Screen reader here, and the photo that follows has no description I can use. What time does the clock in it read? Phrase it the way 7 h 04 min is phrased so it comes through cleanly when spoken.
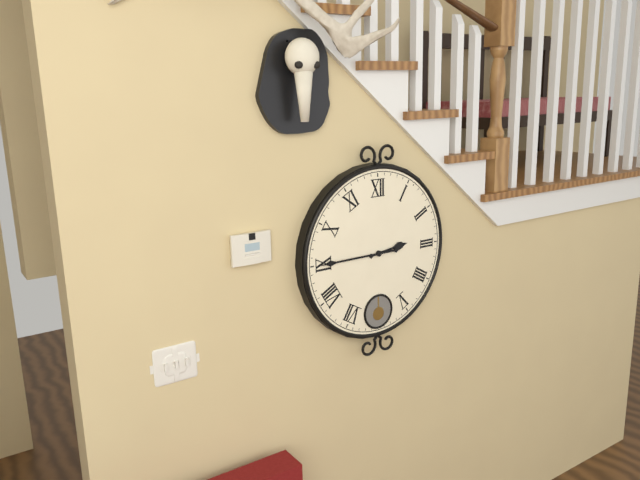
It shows 2 h 45 min
